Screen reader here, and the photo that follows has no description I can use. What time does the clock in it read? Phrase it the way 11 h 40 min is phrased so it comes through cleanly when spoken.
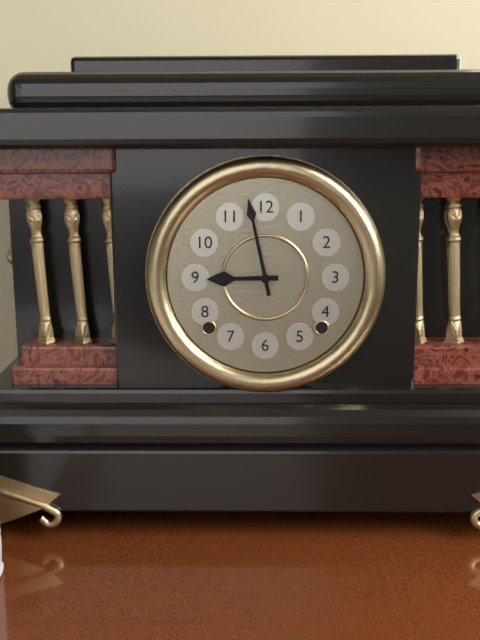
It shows 8 h 58 min
